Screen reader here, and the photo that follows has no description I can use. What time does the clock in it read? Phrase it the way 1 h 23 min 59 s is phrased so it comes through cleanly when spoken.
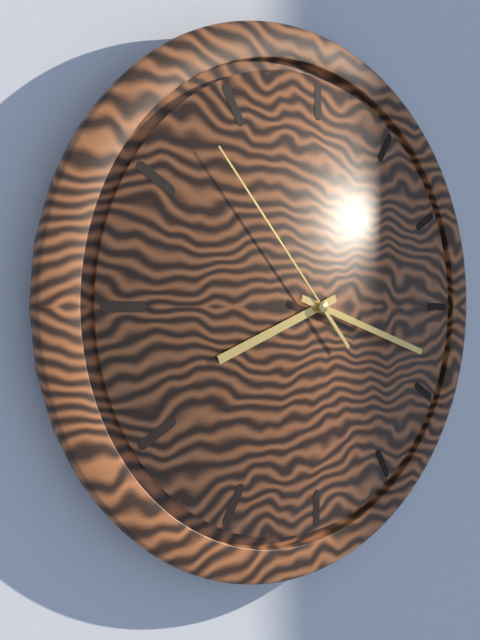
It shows 8 h 18 min 53 s
